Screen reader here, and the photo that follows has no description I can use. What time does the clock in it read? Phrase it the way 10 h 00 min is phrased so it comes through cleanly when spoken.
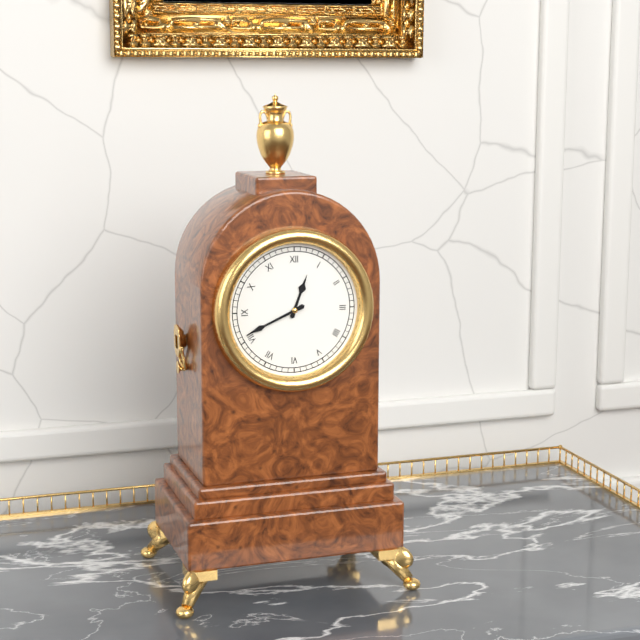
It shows 12 h 41 min
